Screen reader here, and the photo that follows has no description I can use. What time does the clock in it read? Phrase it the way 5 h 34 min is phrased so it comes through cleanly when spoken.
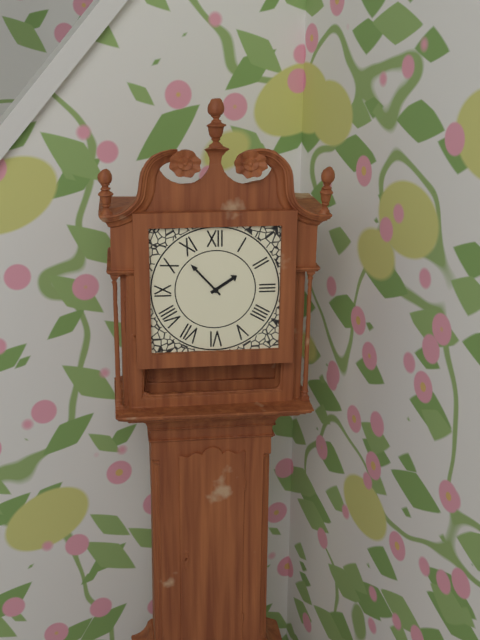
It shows 1 h 53 min
